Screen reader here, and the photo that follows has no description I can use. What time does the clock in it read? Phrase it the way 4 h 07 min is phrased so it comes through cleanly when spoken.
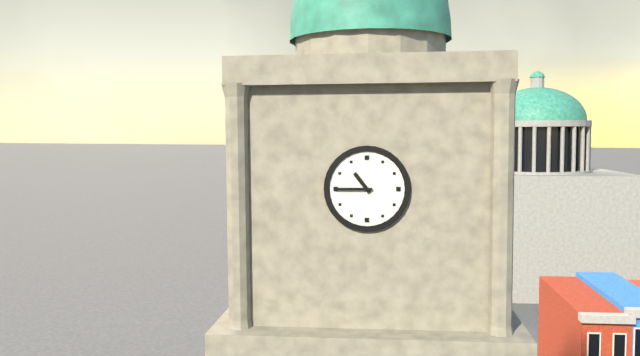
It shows 10 h 45 min
